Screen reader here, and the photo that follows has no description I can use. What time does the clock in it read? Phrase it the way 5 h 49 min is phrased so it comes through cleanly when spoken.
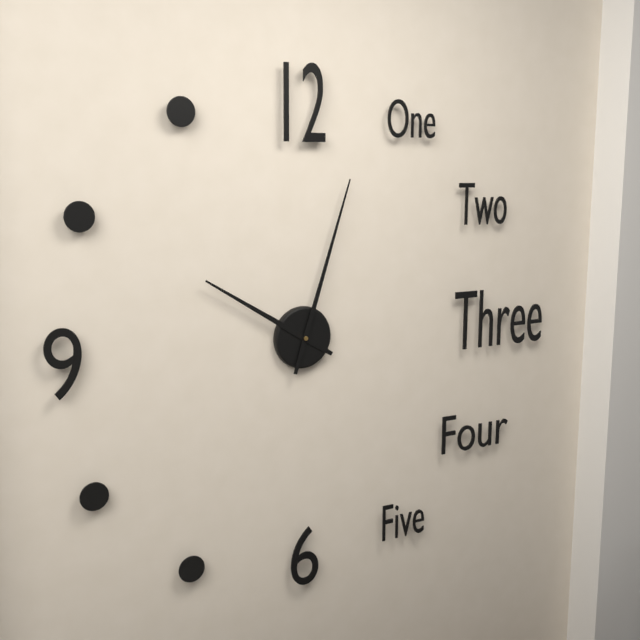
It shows 10 h 03 min
